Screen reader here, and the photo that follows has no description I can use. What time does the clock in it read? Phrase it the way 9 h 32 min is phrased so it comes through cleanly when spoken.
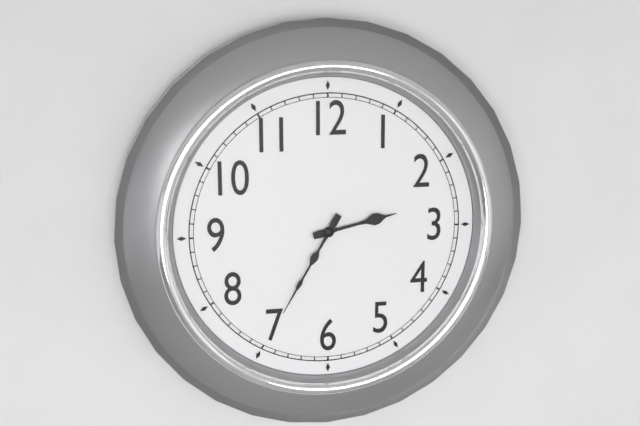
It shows 2 h 35 min
